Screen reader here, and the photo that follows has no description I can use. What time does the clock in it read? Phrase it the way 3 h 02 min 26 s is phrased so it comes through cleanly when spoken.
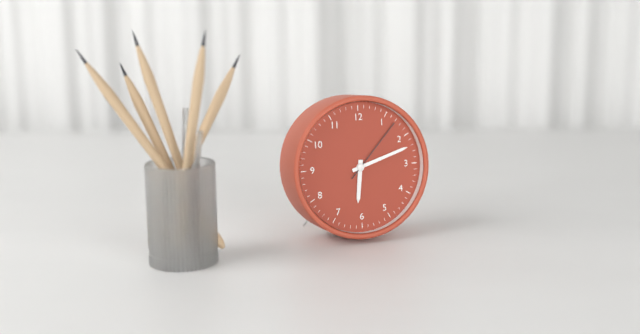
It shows 6 h 12 min 07 s
